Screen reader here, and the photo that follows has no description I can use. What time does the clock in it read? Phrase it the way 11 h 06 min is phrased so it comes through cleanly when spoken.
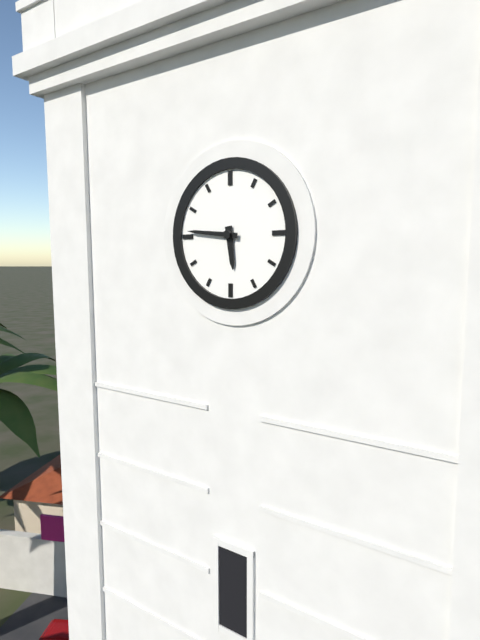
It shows 5 h 46 min
